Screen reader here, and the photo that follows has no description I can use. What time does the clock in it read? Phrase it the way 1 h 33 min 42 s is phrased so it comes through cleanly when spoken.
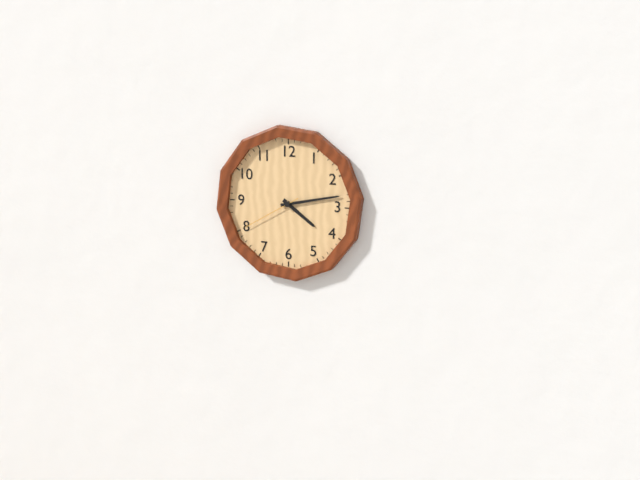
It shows 4 h 13 min 40 s
